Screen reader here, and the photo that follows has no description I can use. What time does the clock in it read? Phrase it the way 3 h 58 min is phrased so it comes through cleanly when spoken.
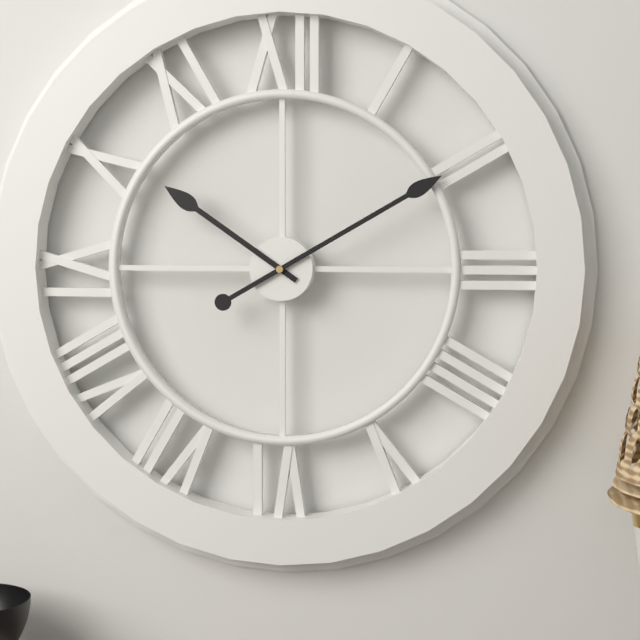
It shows 10 h 10 min
